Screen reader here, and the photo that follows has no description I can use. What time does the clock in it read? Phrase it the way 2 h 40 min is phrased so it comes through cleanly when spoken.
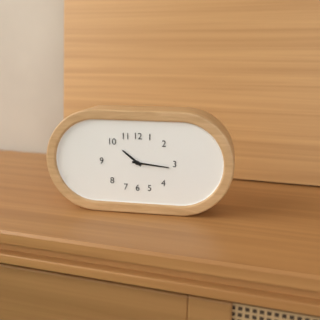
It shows 10 h 16 min
